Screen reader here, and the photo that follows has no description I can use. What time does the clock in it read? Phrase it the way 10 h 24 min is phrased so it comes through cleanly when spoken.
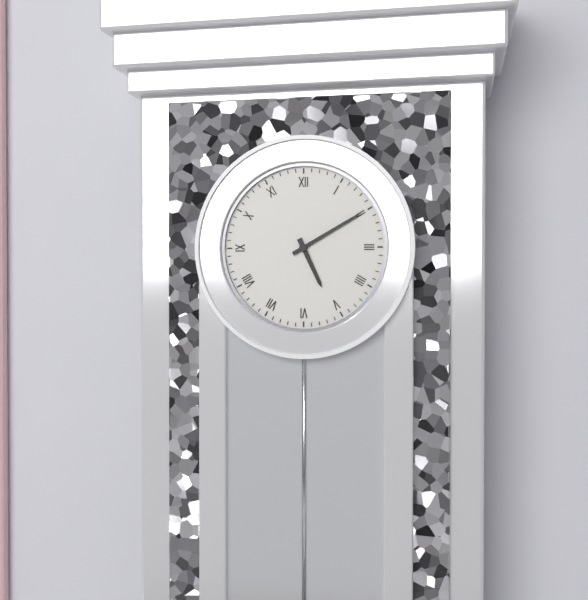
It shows 5 h 10 min
